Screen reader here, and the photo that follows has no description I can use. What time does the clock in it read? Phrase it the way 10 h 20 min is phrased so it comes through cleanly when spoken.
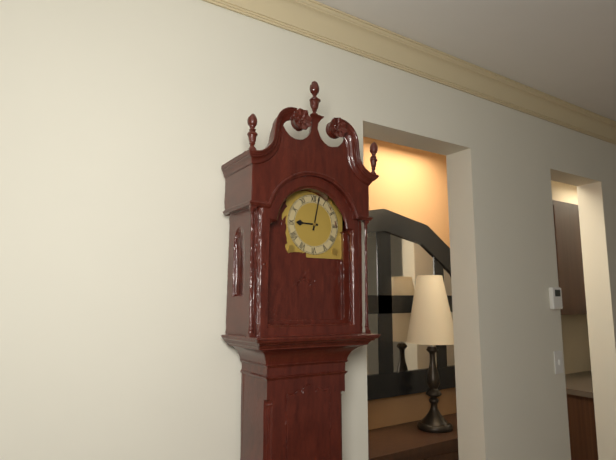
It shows 9 h 02 min
